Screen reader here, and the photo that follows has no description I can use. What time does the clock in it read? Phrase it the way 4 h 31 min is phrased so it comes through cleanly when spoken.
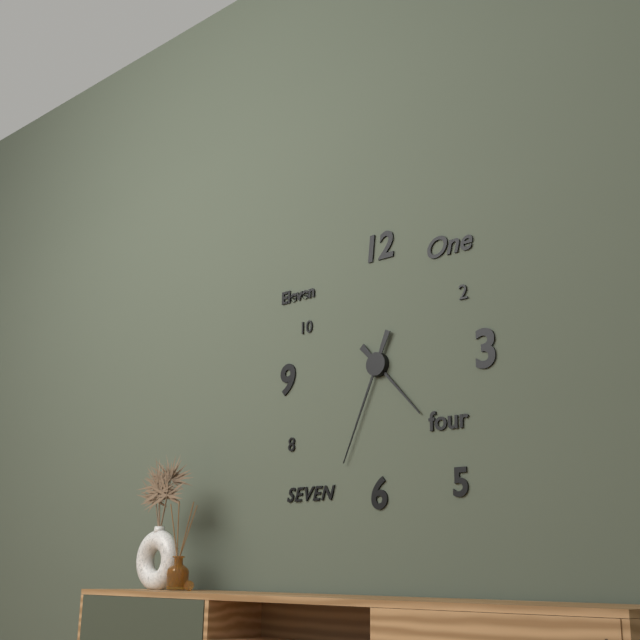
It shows 4 h 34 min
